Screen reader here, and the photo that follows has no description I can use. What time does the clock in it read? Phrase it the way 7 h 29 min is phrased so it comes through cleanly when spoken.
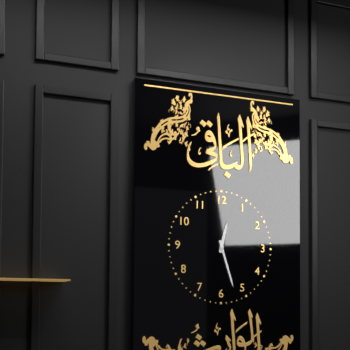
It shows 12 h 27 min
